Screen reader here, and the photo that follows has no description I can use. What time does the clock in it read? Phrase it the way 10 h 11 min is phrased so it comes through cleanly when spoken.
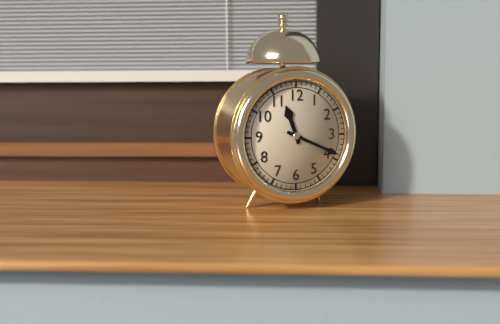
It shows 11 h 19 min
